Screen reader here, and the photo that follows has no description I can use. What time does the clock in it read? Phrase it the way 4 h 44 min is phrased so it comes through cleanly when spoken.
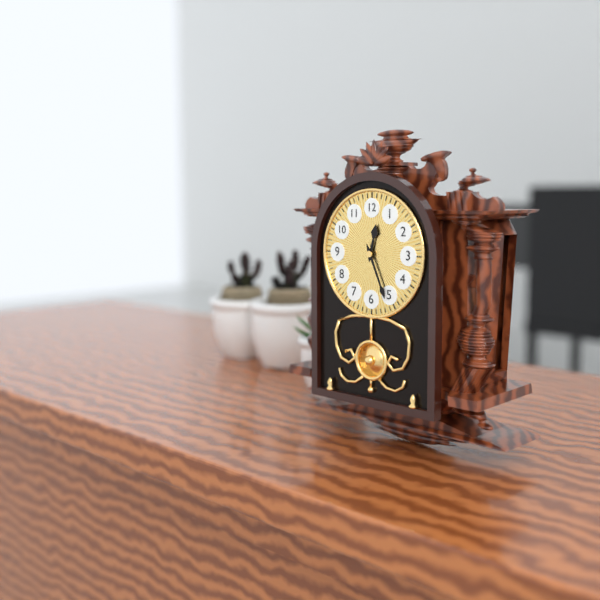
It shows 12 h 26 min
